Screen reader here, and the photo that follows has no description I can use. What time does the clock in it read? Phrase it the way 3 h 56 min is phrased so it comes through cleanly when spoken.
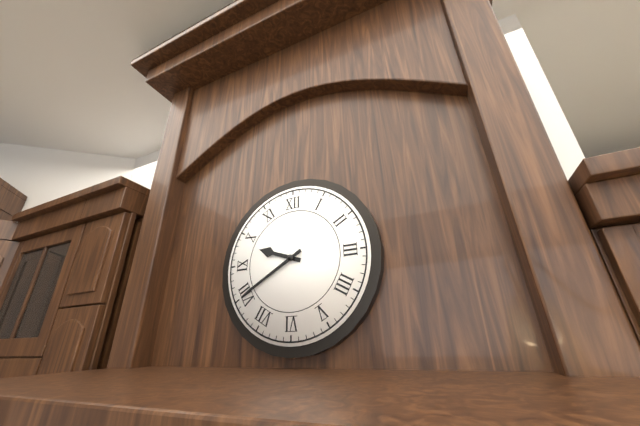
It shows 9 h 40 min
